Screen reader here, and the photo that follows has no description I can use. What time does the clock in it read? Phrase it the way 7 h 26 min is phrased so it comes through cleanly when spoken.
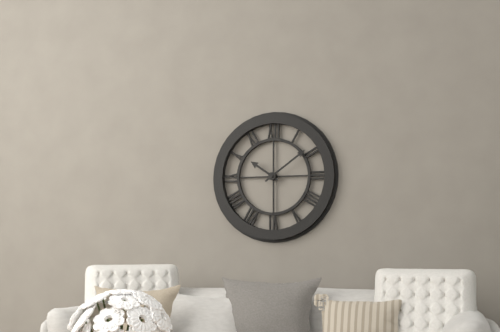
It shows 10 h 09 min
